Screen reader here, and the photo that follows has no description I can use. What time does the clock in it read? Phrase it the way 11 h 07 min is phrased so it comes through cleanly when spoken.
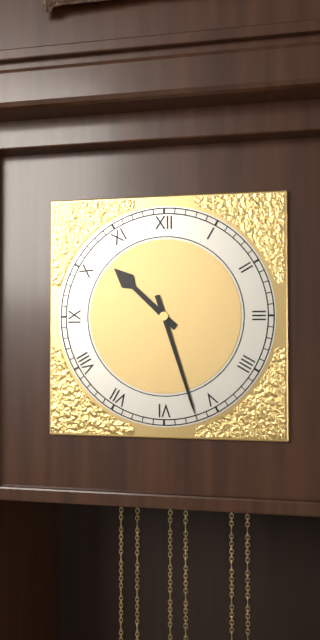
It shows 10 h 27 min
